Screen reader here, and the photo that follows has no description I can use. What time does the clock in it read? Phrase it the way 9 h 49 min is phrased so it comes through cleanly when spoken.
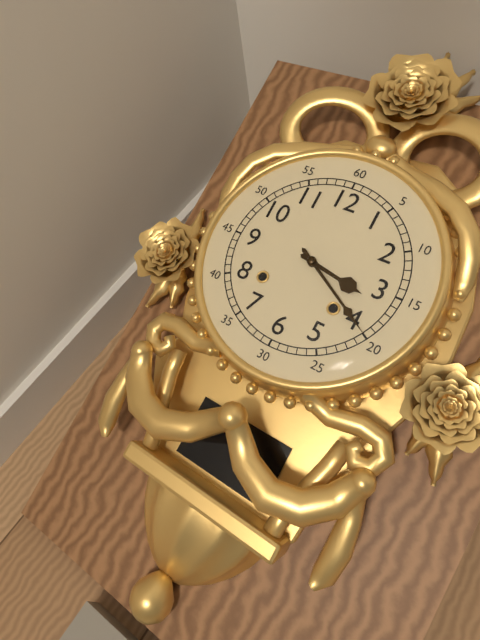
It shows 3 h 20 min
